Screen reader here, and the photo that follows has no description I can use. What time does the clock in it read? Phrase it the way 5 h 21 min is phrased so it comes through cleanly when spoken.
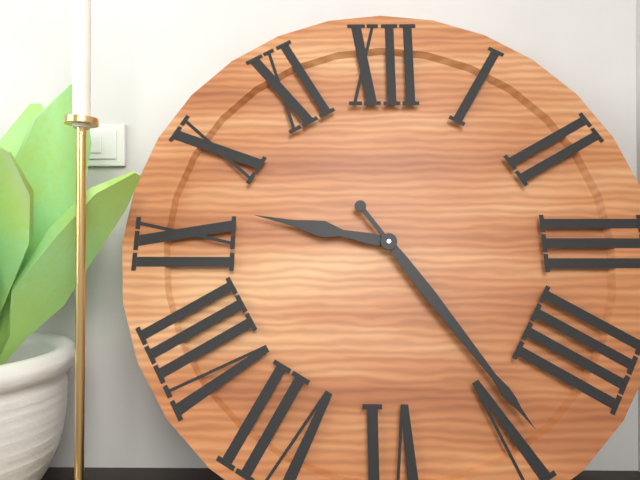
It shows 9 h 24 min
